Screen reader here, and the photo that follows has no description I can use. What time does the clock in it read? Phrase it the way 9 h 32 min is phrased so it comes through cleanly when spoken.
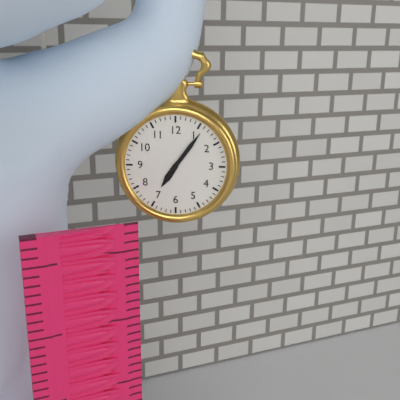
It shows 7 h 06 min
